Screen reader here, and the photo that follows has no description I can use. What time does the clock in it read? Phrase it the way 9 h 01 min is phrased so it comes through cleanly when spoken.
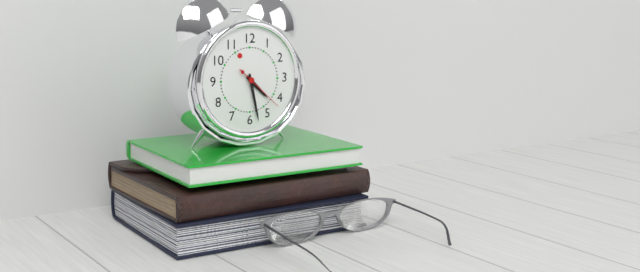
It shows 4 h 28 min
